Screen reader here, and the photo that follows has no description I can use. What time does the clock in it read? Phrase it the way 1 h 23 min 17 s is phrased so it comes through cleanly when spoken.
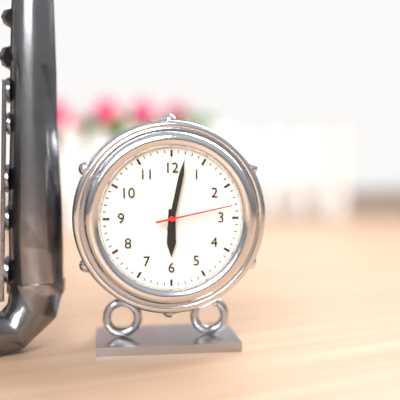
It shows 6 h 02 min 13 s
